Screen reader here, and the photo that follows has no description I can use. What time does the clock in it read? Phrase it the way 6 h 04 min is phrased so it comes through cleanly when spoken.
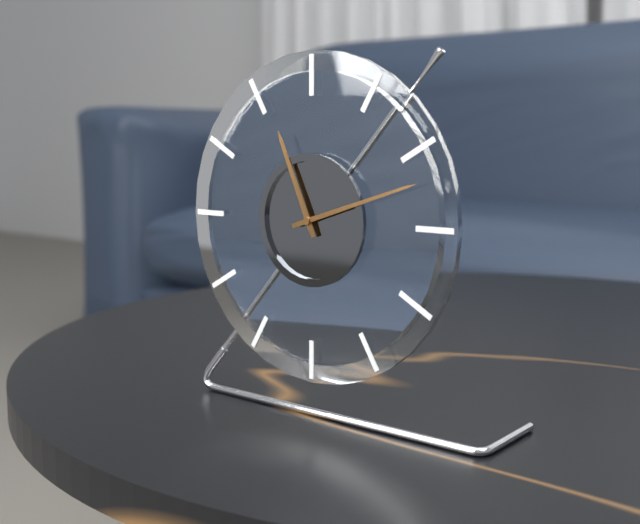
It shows 11 h 12 min
